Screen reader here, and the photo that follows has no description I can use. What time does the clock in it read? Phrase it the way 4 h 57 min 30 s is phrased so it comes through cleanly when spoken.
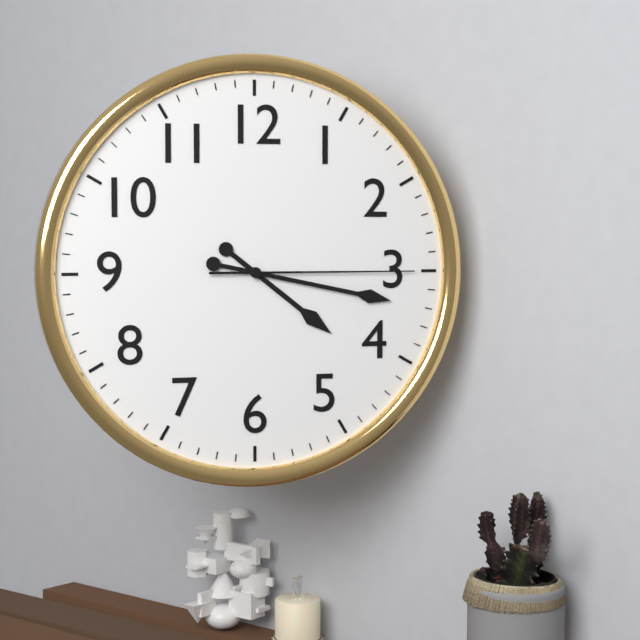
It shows 4 h 17 min 15 s
